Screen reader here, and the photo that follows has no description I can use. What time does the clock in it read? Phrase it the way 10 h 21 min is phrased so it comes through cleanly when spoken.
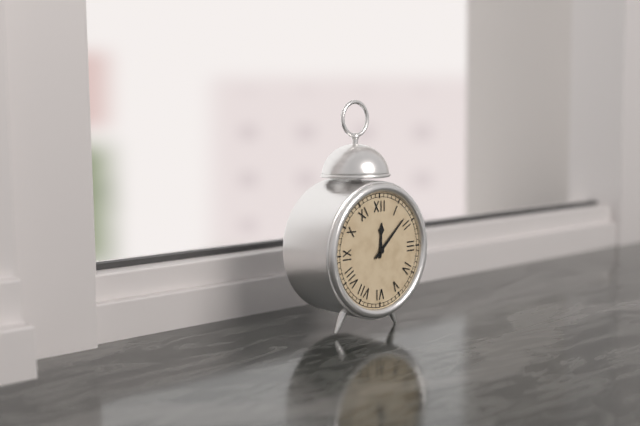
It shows 12 h 08 min
